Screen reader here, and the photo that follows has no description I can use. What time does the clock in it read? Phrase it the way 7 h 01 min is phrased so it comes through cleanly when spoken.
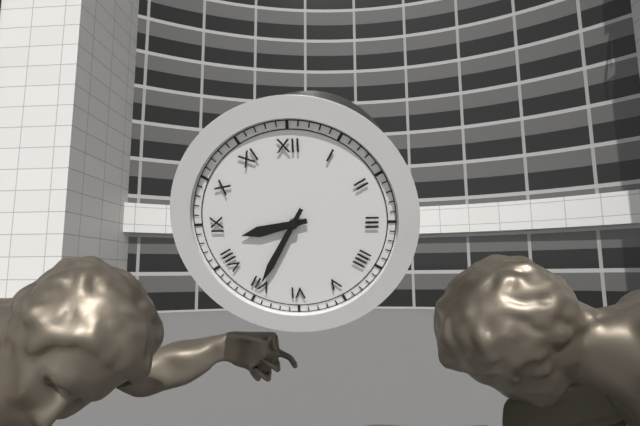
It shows 8 h 35 min
